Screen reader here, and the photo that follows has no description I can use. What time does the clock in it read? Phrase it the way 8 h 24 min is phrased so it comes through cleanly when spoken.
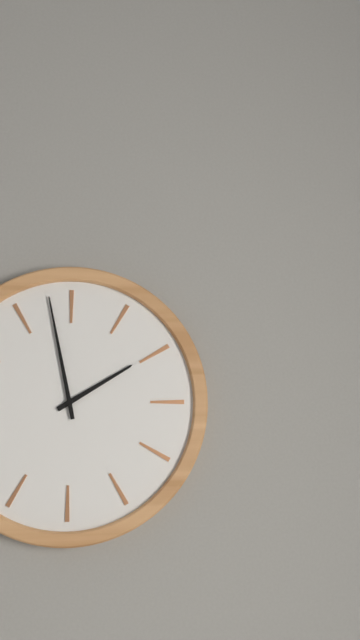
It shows 1 h 58 min
